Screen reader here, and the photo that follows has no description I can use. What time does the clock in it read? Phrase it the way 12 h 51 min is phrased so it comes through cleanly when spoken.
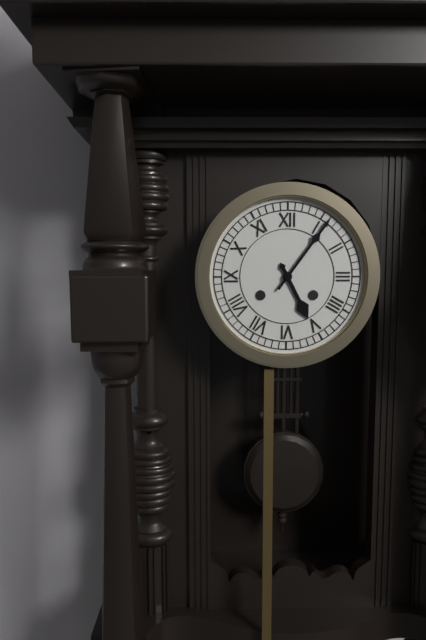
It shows 5 h 06 min
